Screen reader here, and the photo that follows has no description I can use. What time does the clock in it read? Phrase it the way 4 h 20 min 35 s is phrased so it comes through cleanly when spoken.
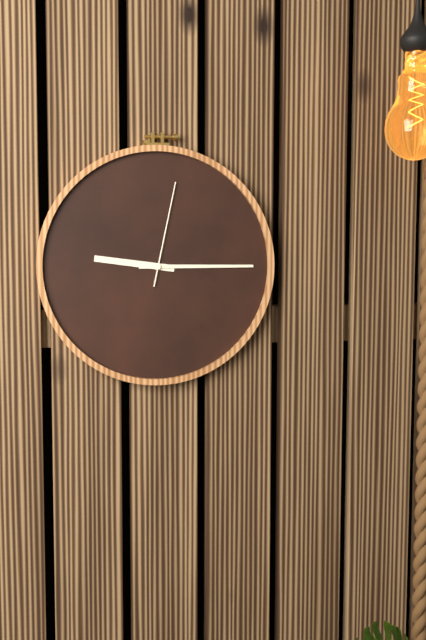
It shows 9 h 15 min 02 s
